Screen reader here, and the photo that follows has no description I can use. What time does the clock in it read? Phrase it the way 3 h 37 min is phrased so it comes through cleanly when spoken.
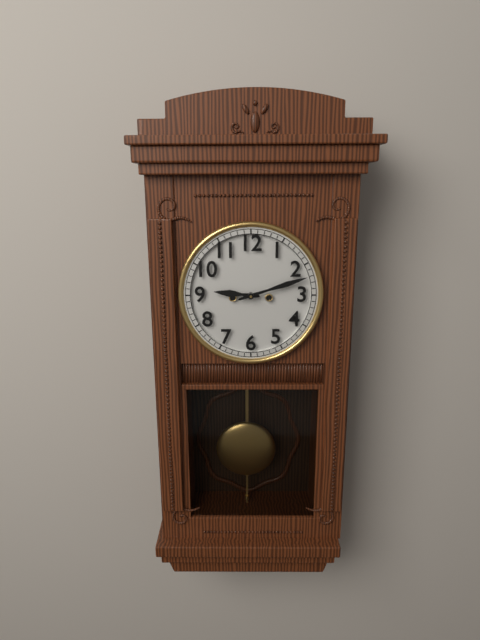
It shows 9 h 12 min
